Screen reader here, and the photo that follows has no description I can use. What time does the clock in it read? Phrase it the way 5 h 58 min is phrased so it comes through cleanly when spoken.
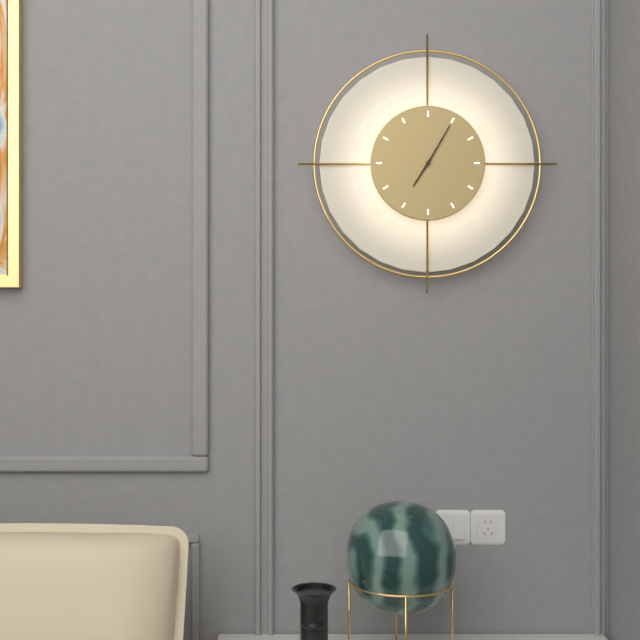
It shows 7 h 05 min
